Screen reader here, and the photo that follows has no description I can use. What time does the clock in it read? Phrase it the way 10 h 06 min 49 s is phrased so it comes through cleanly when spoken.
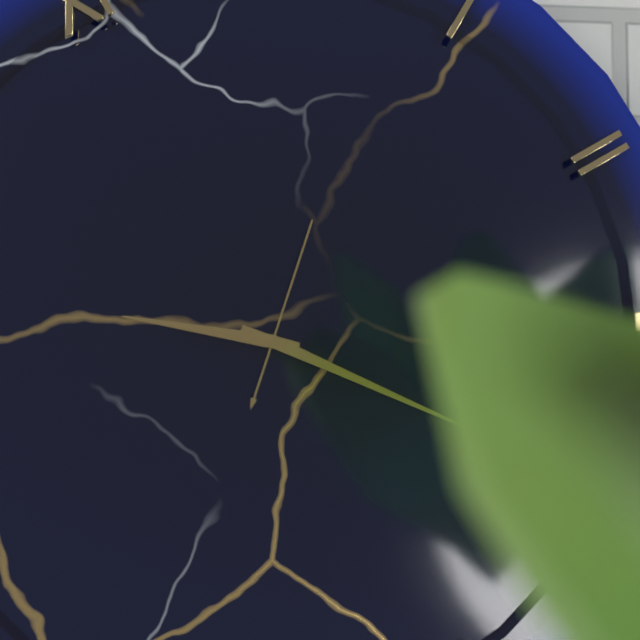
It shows 9 h 19 min 03 s
